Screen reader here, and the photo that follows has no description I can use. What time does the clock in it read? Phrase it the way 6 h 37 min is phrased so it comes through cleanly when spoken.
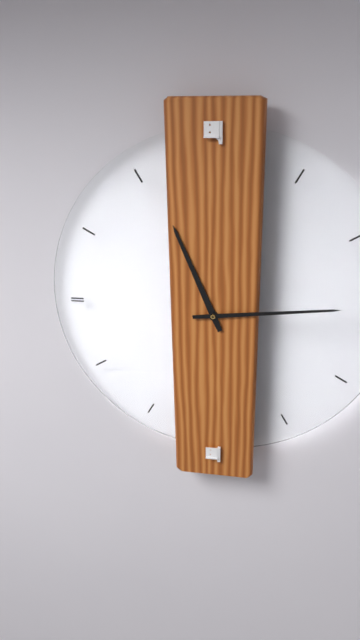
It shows 11 h 14 min
